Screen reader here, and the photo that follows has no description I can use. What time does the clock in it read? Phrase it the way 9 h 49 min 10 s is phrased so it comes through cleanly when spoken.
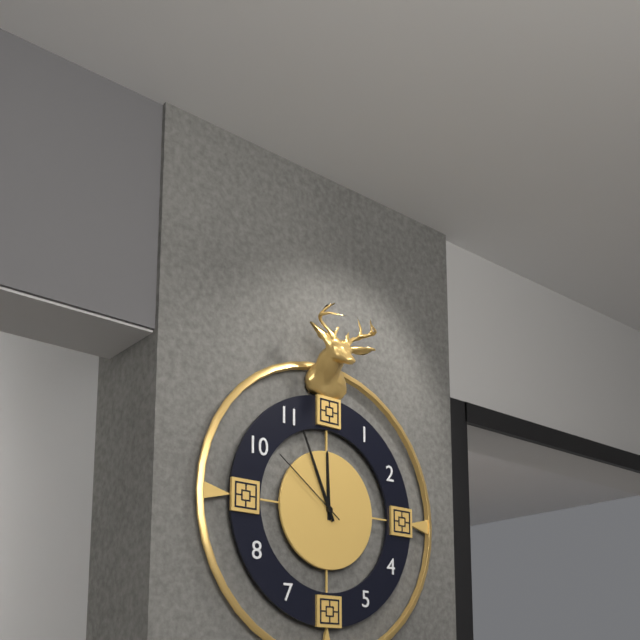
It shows 11 h 56 min 51 s
